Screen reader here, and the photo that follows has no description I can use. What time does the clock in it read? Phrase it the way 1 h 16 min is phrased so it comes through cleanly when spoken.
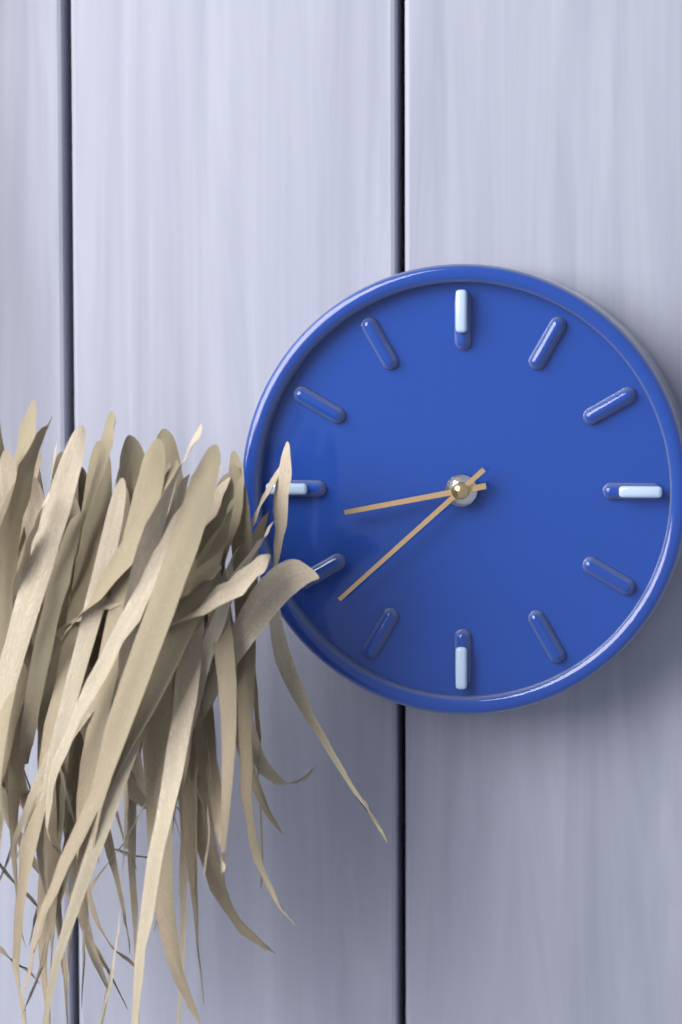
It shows 8 h 38 min
